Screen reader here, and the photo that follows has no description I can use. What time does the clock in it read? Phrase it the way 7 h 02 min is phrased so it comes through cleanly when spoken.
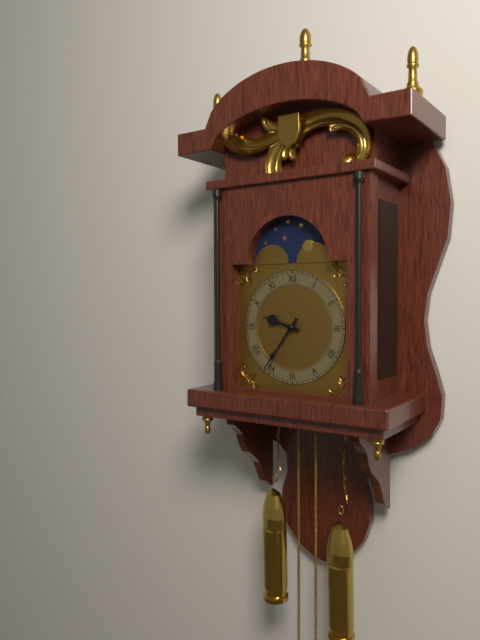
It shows 9 h 36 min
